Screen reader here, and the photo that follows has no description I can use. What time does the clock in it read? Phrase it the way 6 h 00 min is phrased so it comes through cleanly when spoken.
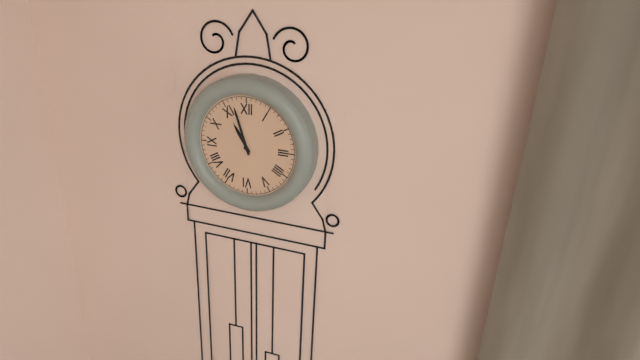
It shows 10 h 57 min
